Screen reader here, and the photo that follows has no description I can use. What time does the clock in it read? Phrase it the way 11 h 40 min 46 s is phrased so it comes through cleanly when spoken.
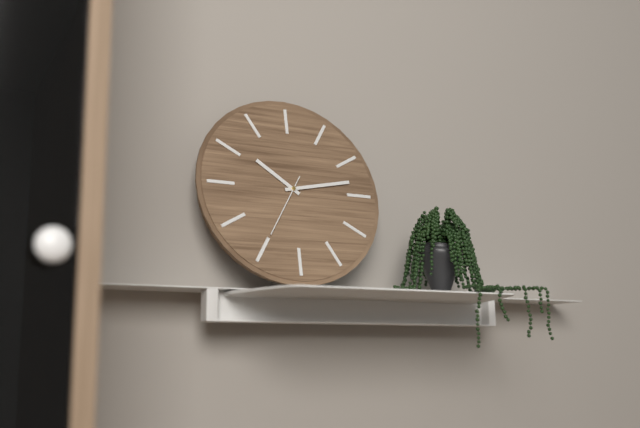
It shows 10 h 13 min 35 s
